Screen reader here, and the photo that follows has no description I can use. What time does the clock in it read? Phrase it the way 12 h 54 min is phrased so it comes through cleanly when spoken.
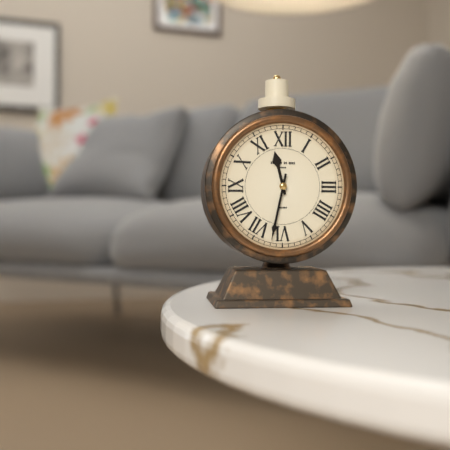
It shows 11 h 32 min
